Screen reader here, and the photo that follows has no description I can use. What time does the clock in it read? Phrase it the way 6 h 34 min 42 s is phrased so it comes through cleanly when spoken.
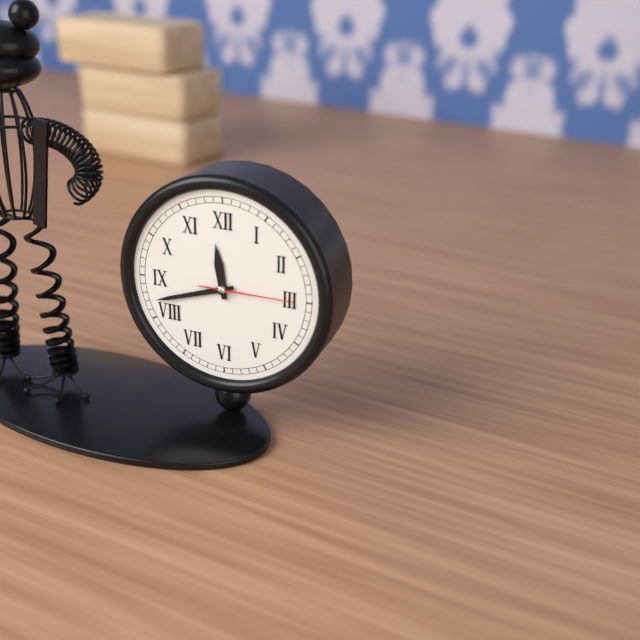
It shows 11 h 42 min 15 s
